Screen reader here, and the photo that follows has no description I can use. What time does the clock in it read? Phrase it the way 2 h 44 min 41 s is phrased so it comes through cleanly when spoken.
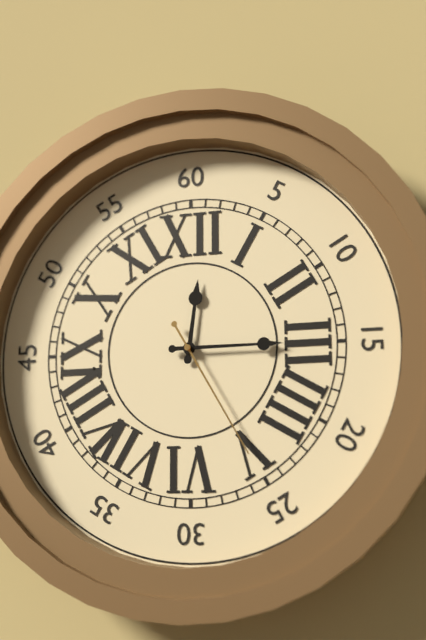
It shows 12 h 15 min 25 s
